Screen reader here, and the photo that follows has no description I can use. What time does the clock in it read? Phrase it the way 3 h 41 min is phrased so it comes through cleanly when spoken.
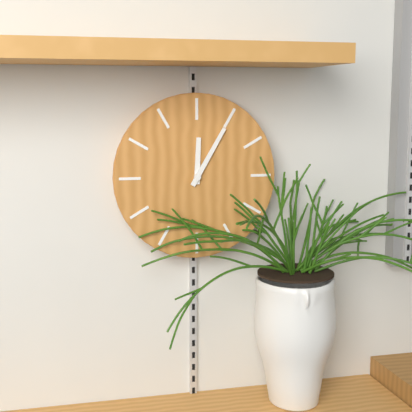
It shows 12 h 05 min
